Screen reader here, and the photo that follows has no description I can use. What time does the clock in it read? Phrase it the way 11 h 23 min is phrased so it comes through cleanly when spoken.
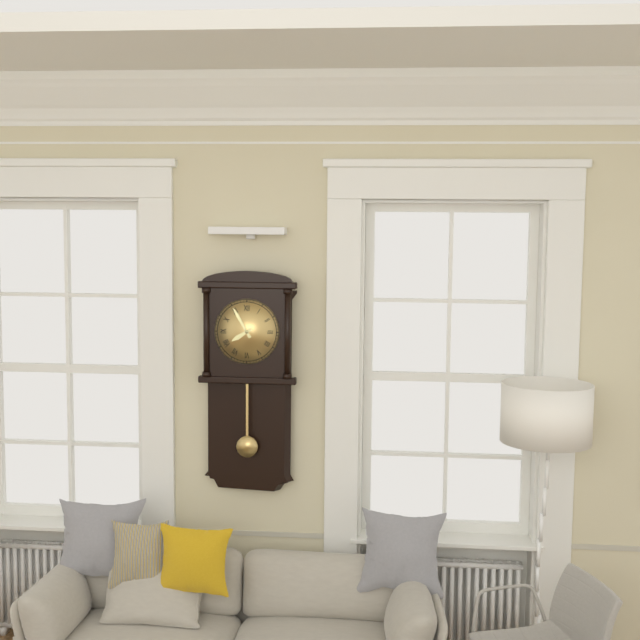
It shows 7 h 55 min
